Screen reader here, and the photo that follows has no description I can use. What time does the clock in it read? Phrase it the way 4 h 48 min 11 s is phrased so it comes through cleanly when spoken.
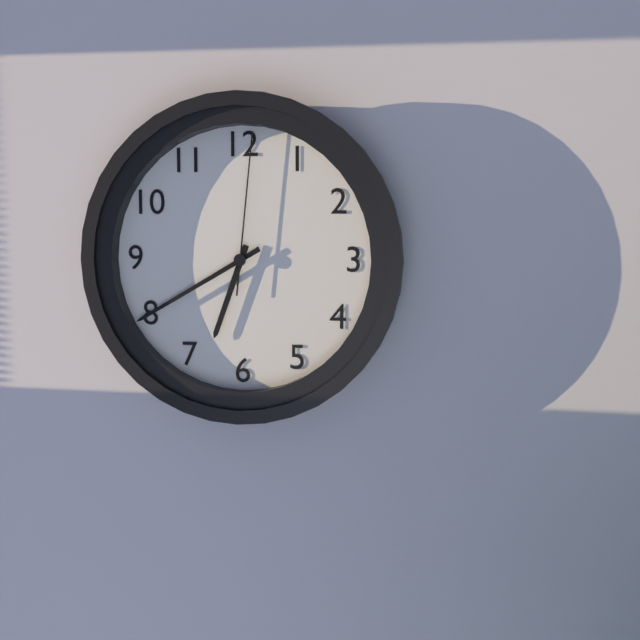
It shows 6 h 40 min 01 s
